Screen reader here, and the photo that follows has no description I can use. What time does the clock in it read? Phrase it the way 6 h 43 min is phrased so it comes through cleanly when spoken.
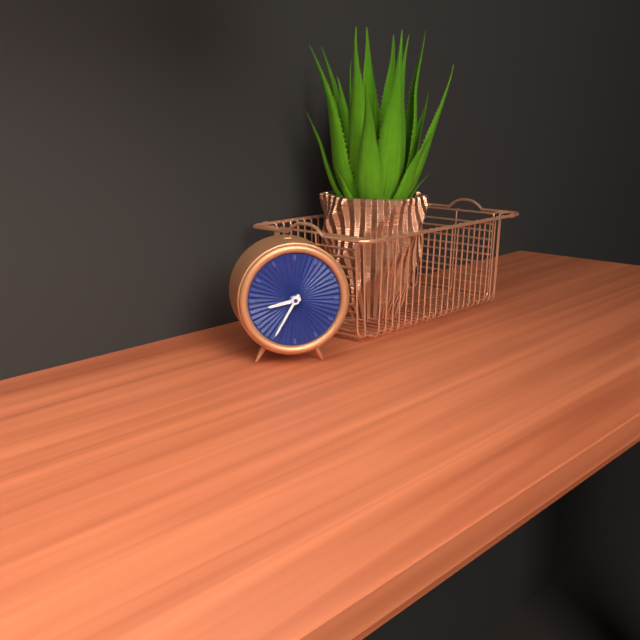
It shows 8 h 35 min
